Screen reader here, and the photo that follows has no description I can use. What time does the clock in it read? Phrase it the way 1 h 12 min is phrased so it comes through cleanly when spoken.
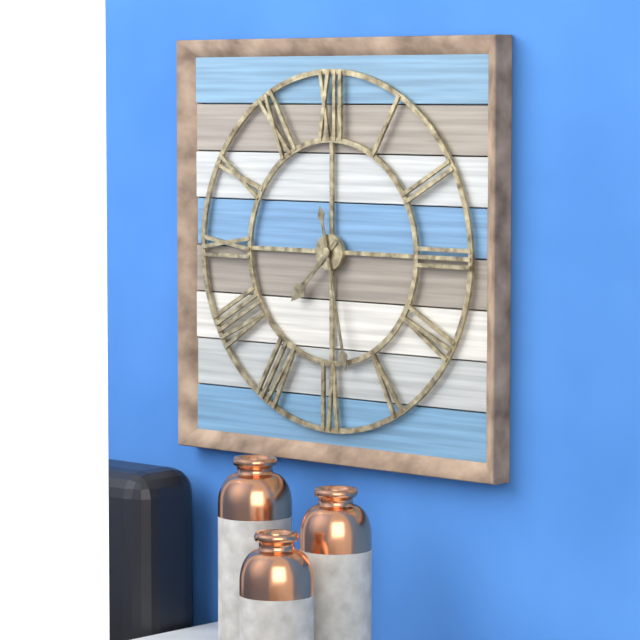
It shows 7 h 28 min
